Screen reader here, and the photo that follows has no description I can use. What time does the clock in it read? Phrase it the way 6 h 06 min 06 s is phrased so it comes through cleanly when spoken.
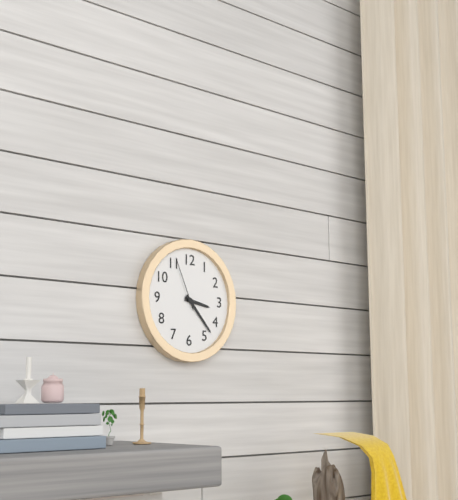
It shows 3 h 23 min 56 s
